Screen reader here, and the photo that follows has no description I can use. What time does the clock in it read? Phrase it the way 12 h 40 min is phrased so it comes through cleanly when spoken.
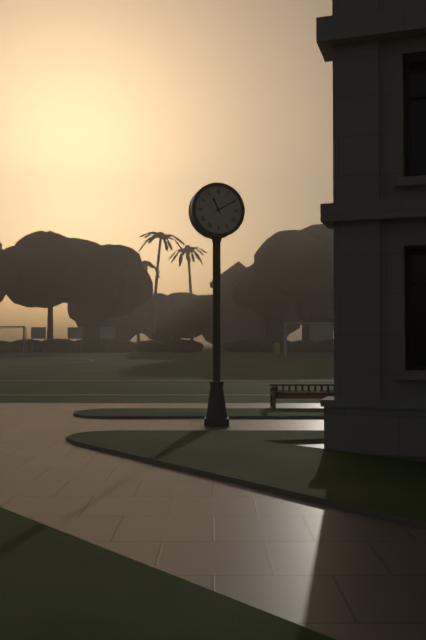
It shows 11 h 10 min
